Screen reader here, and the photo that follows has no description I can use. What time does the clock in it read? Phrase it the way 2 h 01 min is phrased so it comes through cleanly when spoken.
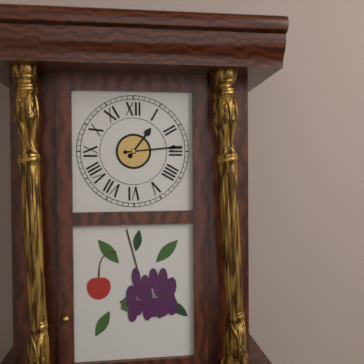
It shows 1 h 14 min
